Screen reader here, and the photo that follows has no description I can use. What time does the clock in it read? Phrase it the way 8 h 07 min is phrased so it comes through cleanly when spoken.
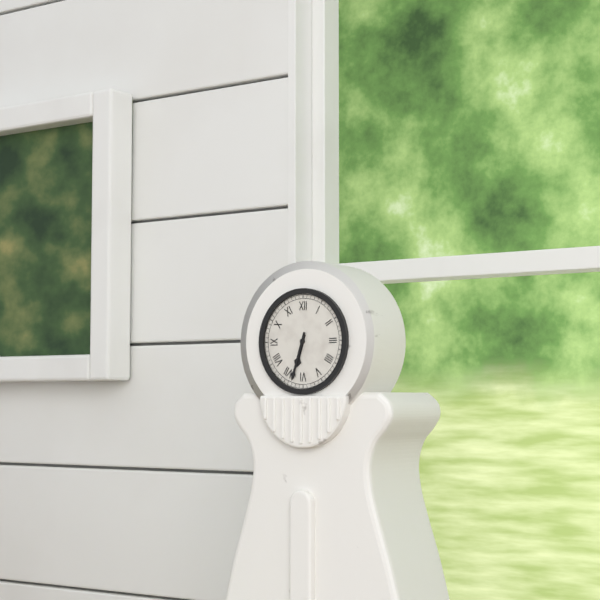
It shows 6 h 33 min
